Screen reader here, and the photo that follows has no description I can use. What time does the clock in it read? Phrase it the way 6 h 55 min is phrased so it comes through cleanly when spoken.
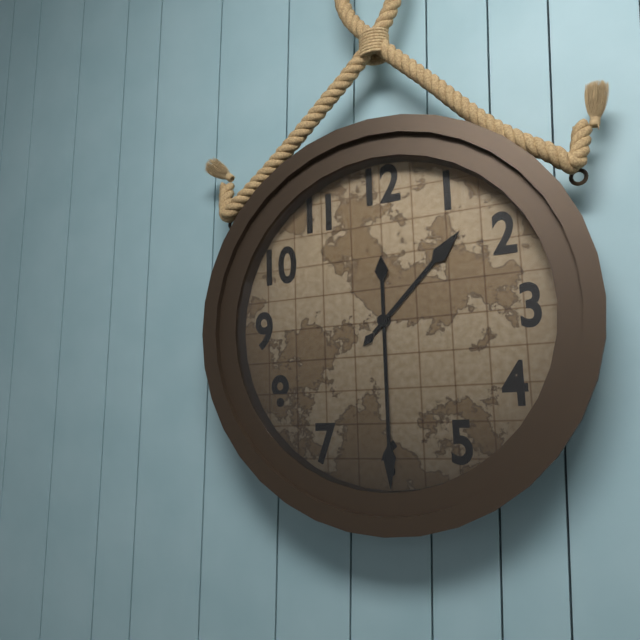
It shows 1 h 30 min
